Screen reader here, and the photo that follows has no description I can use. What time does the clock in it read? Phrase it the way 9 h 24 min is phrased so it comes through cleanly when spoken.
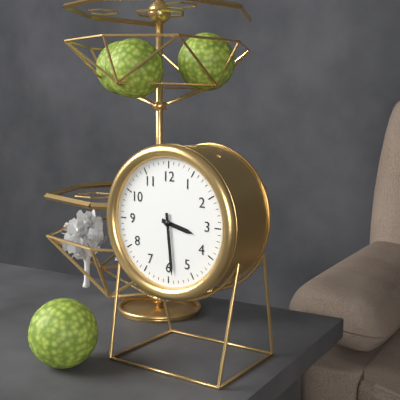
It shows 3 h 29 min
